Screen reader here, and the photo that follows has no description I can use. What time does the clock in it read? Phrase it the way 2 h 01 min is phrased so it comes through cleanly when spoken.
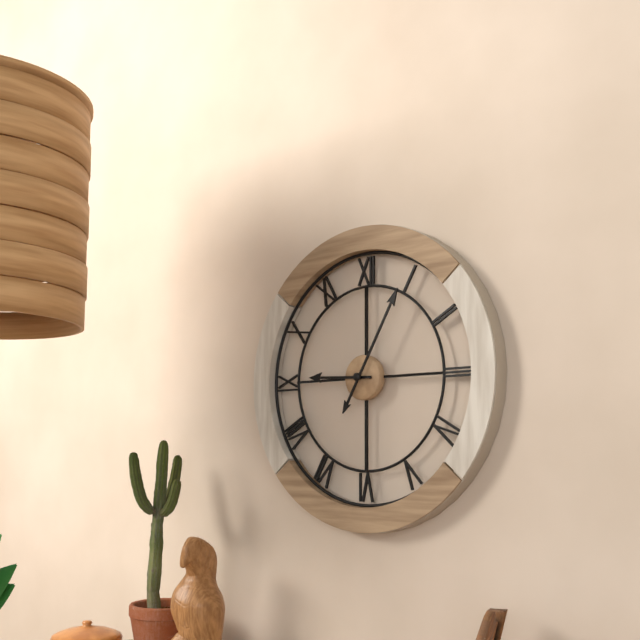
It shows 9 h 05 min
